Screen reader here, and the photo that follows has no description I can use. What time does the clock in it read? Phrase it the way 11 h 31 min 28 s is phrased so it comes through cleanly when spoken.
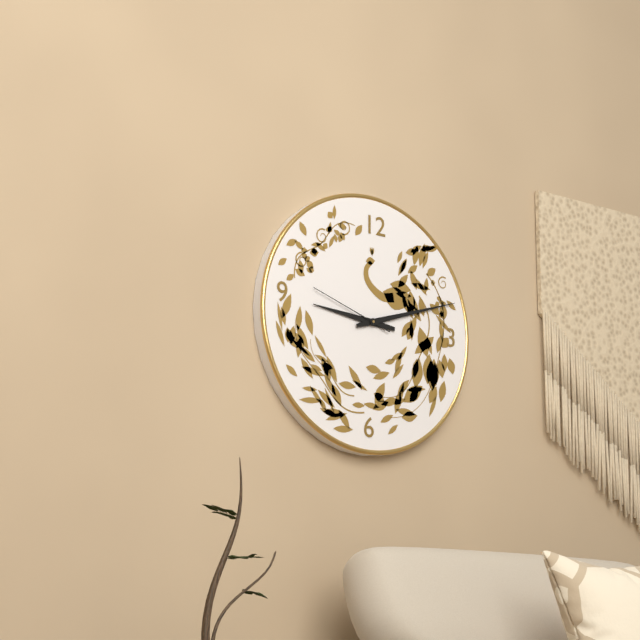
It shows 9 h 12 min 48 s
